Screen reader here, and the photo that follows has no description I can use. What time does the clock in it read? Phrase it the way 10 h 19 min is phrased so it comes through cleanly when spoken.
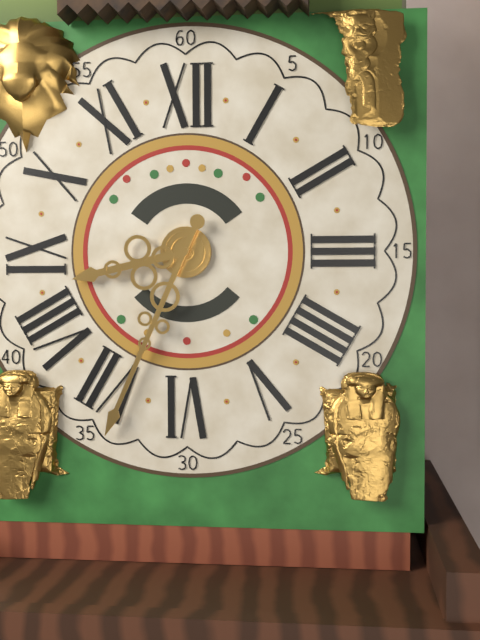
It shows 8 h 34 min
